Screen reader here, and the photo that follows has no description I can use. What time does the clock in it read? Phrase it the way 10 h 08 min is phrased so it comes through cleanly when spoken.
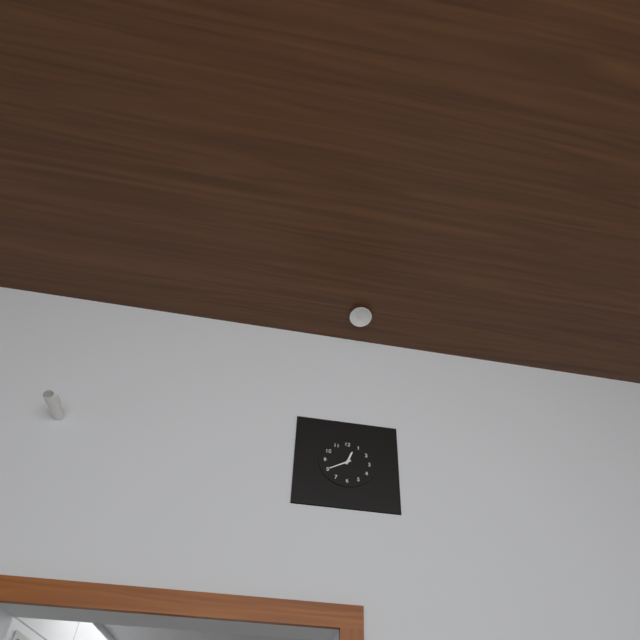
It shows 12 h 40 min
